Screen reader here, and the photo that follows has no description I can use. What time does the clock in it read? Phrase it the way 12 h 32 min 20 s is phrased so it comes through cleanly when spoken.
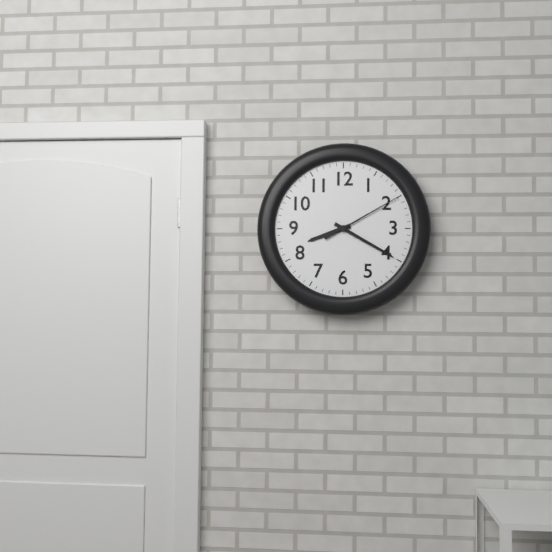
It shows 8 h 20 min 10 s
